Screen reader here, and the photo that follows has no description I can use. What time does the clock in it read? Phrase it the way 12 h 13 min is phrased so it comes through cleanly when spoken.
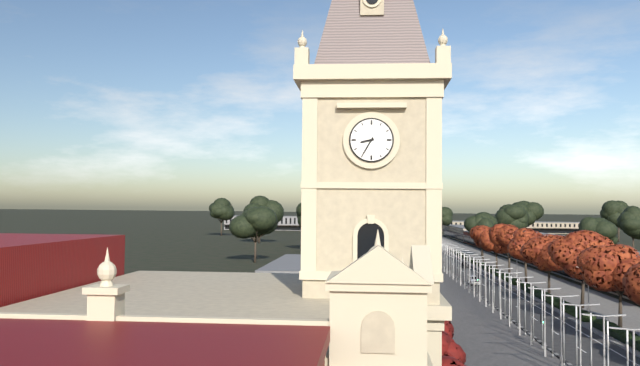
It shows 8 h 35 min
